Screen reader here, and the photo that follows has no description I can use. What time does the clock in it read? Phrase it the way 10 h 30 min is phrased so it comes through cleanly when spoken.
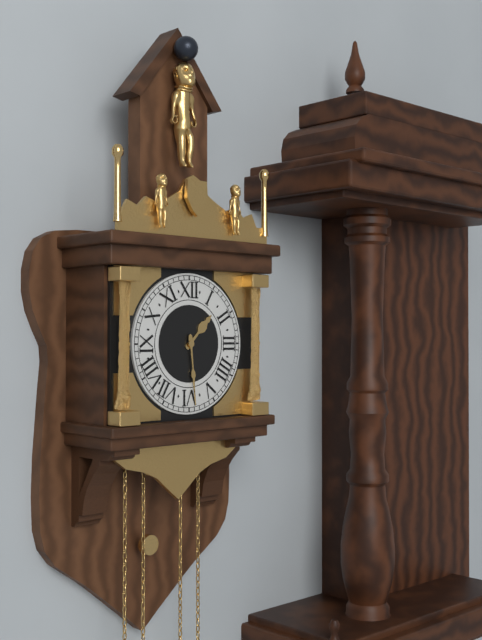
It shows 1 h 29 min
